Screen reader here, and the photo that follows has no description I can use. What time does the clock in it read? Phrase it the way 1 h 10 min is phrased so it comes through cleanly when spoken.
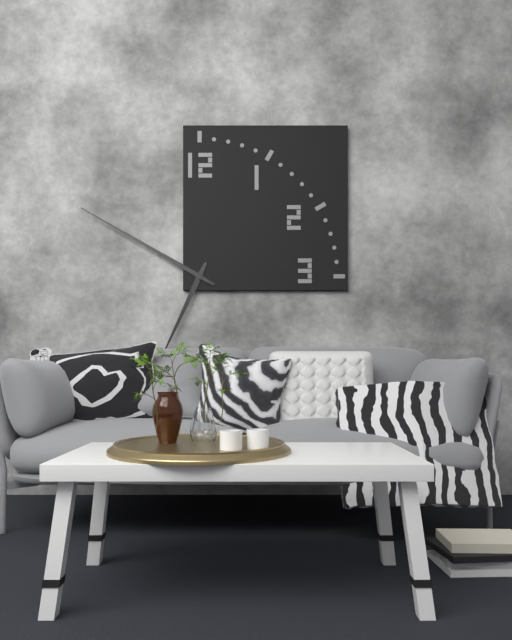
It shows 6 h 50 min
